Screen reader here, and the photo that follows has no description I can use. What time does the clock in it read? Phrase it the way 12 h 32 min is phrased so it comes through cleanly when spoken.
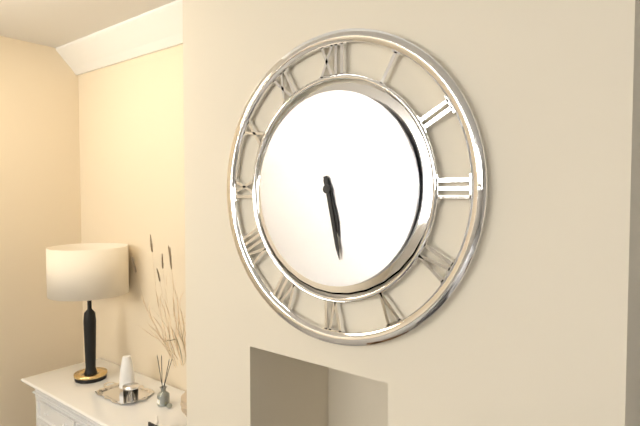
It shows 5 h 28 min
